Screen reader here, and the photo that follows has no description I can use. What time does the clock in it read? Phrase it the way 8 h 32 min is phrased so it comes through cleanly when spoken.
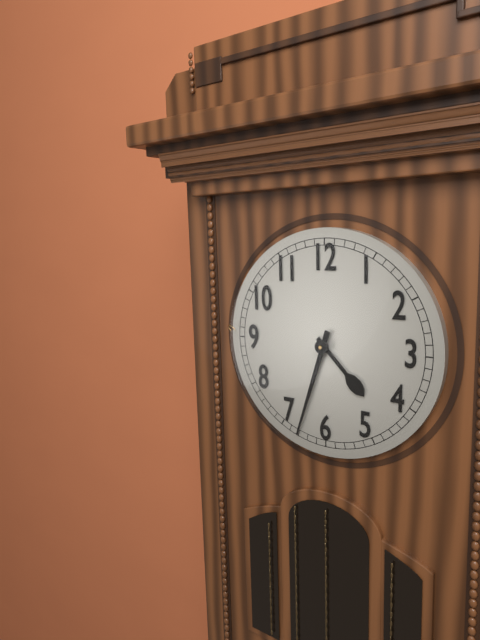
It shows 4 h 33 min
